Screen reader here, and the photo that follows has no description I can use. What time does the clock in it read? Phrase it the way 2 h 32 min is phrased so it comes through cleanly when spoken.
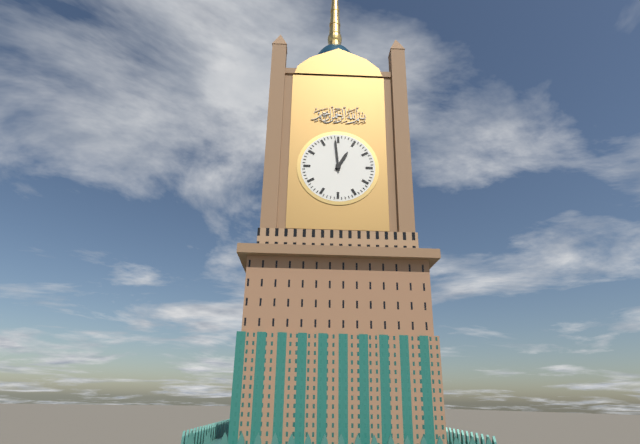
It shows 12 h 59 min
